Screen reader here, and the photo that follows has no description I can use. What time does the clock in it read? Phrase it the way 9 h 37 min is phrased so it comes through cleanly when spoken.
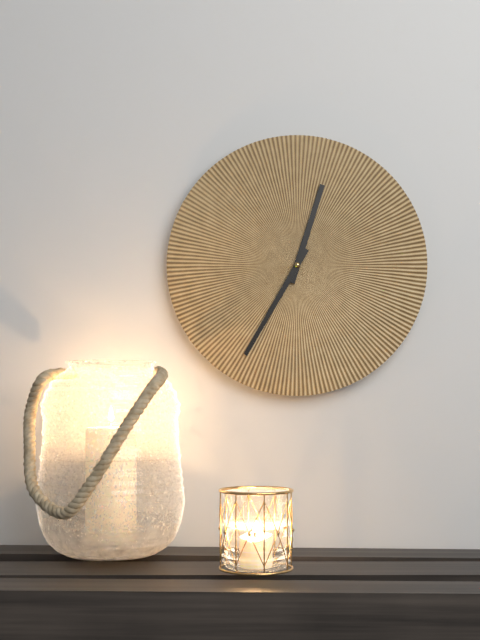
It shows 12 h 35 min
